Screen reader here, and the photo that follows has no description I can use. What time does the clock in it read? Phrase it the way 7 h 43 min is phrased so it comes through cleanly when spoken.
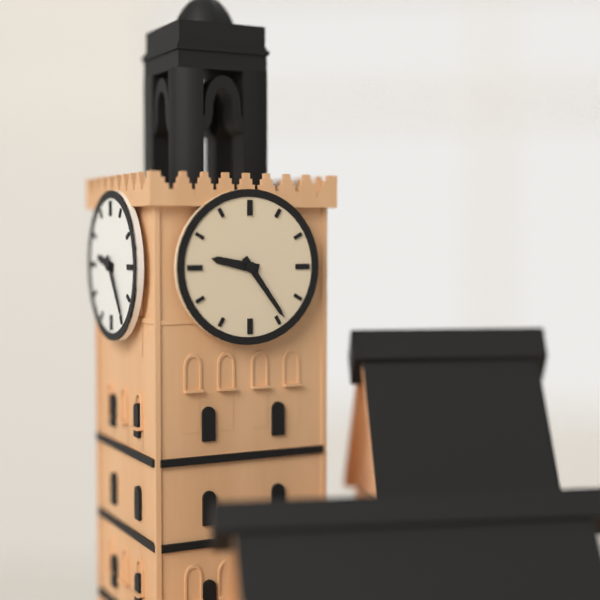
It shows 9 h 24 min
